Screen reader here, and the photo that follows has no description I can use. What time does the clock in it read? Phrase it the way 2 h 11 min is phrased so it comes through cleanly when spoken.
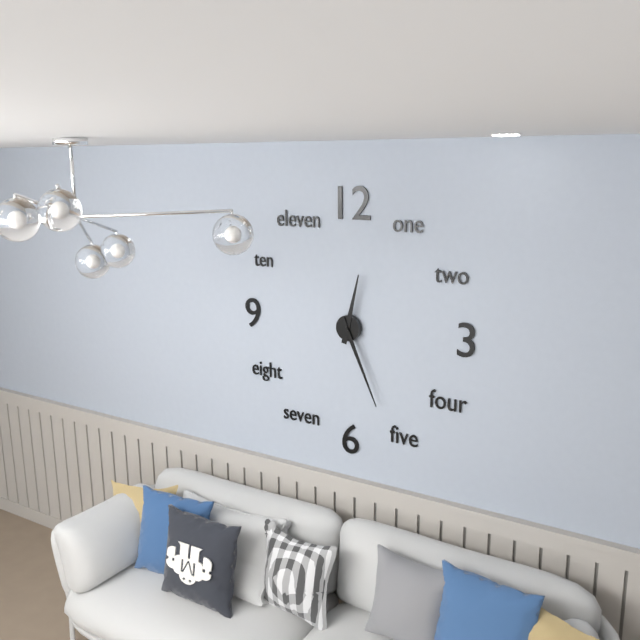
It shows 12 h 26 min
